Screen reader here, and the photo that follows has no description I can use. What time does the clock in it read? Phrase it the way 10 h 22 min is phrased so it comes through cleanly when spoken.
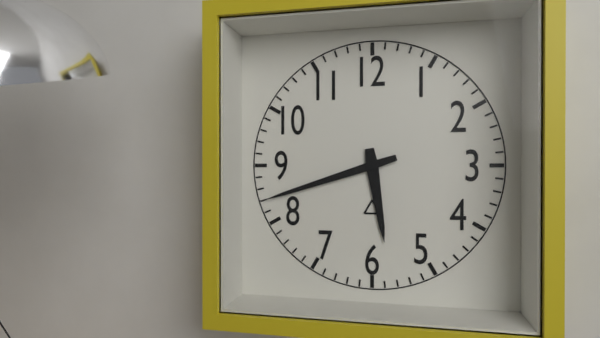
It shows 5 h 42 min
